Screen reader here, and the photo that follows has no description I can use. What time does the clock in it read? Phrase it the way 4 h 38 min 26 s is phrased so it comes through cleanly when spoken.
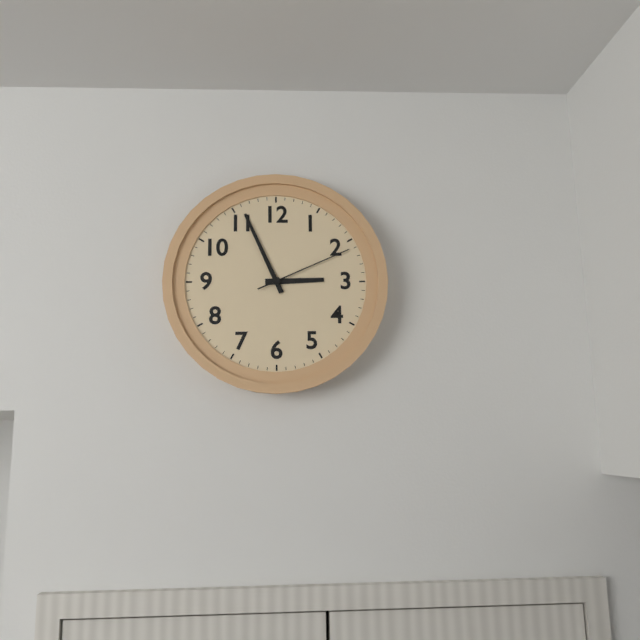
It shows 2 h 56 min 11 s
